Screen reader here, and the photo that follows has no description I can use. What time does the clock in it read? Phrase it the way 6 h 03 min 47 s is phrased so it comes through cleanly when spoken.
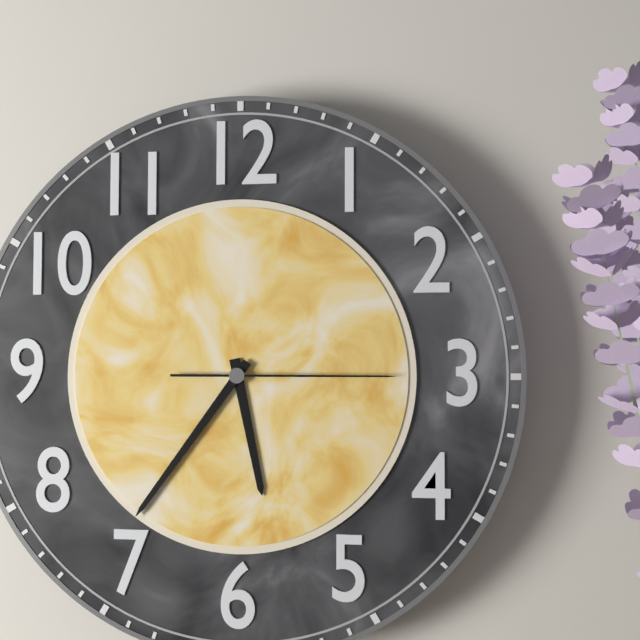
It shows 5 h 36 min 15 s
